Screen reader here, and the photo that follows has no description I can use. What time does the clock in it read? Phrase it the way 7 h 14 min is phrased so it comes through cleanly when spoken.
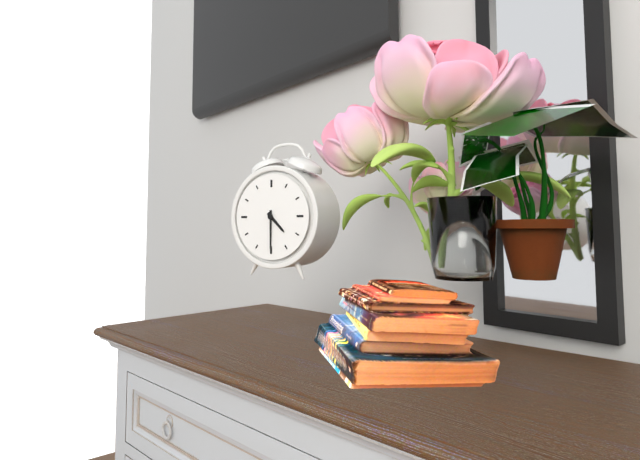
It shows 4 h 30 min
